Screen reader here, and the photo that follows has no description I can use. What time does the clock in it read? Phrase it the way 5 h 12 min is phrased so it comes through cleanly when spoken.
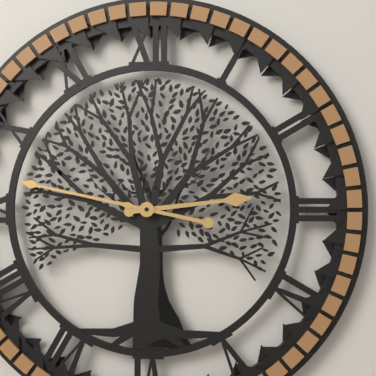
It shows 2 h 47 min
